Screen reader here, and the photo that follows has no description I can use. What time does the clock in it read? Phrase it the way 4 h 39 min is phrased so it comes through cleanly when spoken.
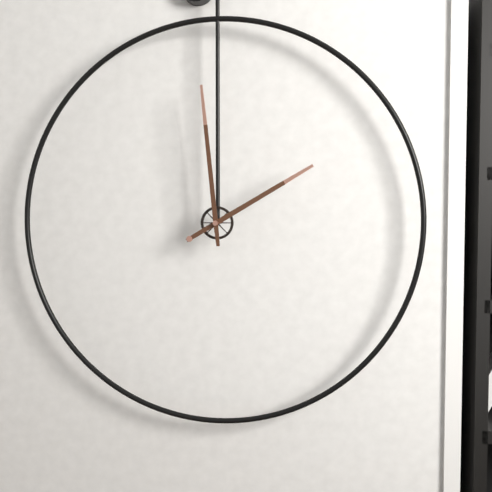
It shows 1 h 59 min
